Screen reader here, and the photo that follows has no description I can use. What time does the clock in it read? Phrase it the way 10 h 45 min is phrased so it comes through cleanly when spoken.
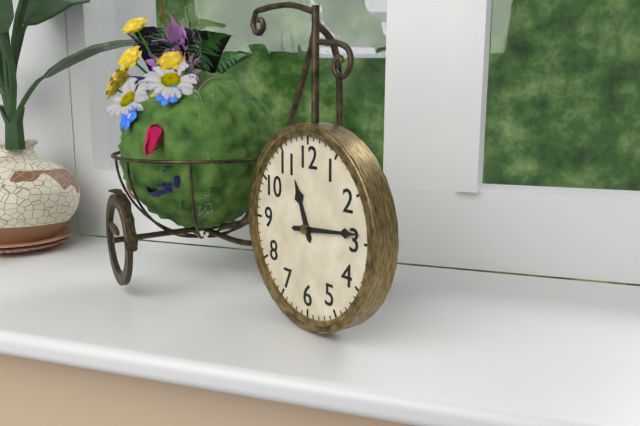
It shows 11 h 14 min
